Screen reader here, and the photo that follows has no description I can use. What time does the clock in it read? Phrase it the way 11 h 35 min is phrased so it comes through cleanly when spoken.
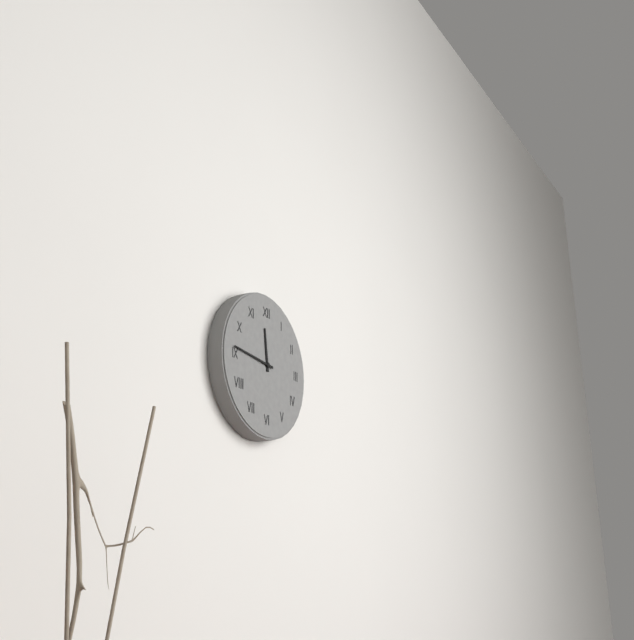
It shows 11 h 46 min
